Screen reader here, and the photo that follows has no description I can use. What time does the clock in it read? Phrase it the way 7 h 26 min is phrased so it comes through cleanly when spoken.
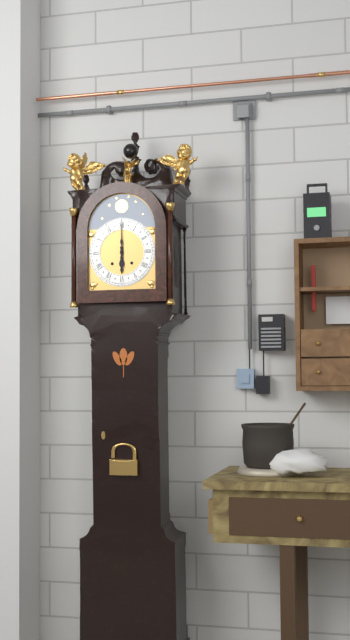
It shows 6 h 00 min
